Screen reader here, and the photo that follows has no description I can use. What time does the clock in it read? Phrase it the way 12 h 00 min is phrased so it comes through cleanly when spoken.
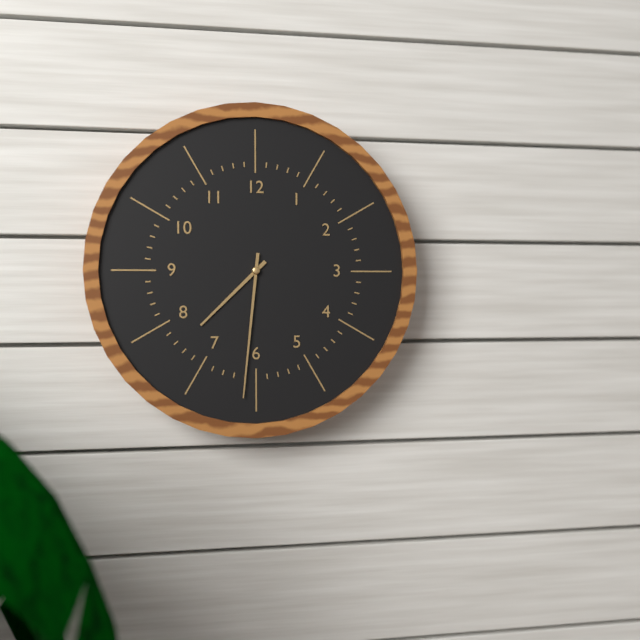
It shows 7 h 31 min
